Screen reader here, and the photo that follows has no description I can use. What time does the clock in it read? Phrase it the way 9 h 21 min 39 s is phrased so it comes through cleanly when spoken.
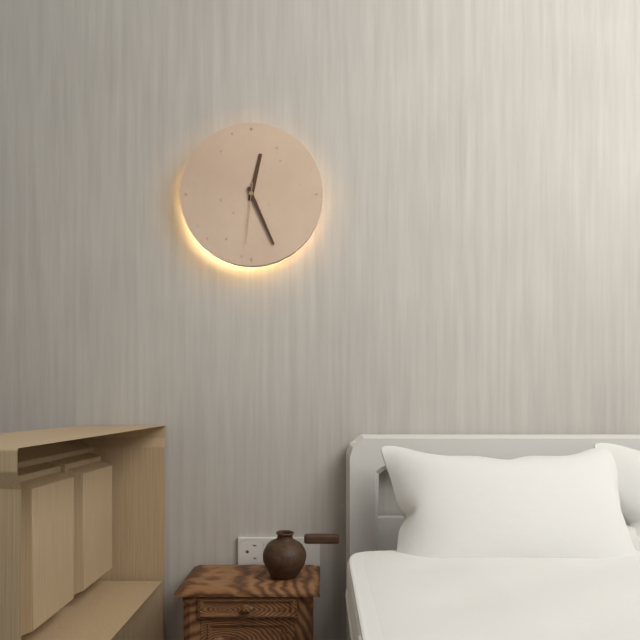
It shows 12 h 26 min 31 s
